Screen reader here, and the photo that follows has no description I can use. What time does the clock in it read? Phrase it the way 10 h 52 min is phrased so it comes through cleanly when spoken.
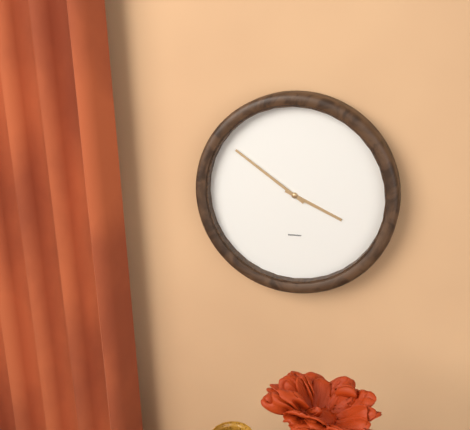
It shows 3 h 51 min
